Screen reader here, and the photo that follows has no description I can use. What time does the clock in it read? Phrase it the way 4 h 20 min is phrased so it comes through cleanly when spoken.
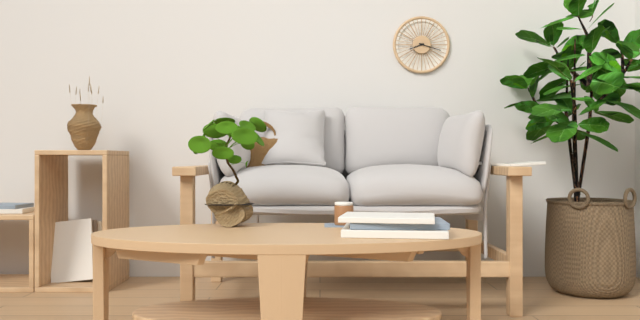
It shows 8 h 18 min
